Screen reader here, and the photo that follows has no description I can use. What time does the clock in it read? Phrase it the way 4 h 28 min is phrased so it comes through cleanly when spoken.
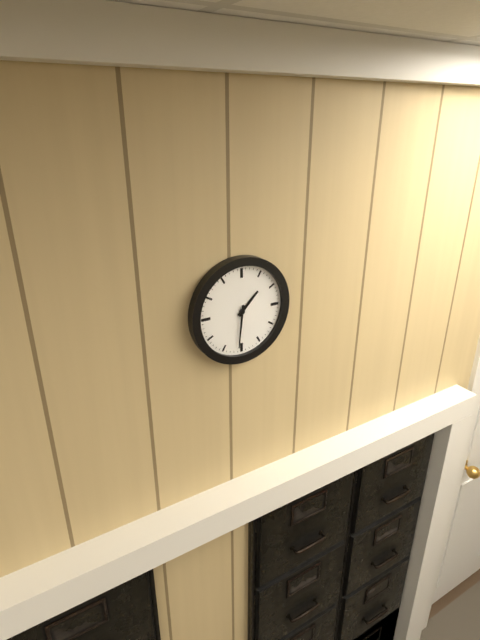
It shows 1 h 31 min
